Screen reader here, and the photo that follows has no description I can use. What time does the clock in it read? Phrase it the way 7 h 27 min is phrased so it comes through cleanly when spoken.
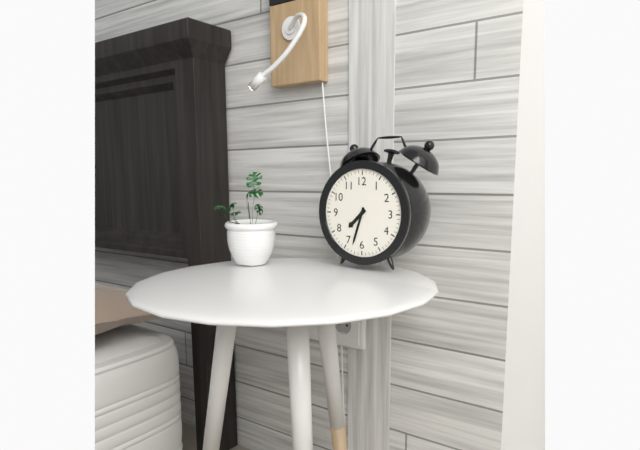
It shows 7 h 33 min
